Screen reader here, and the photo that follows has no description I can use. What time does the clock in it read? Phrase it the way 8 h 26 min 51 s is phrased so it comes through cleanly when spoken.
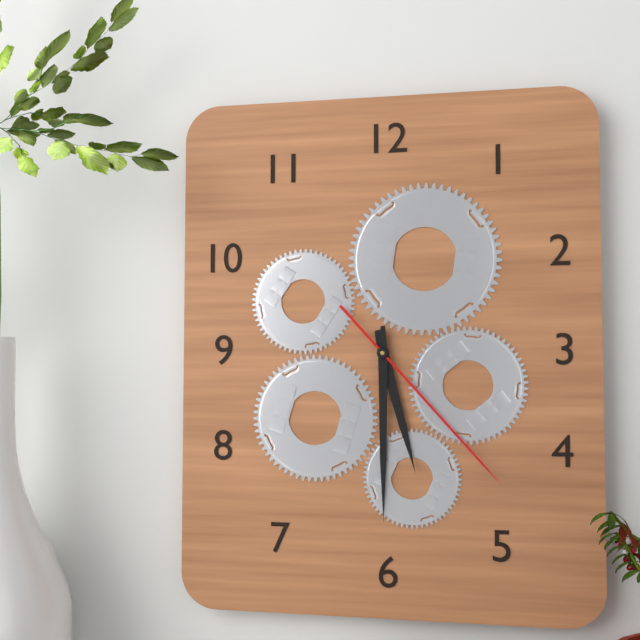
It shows 5 h 30 min 23 s
